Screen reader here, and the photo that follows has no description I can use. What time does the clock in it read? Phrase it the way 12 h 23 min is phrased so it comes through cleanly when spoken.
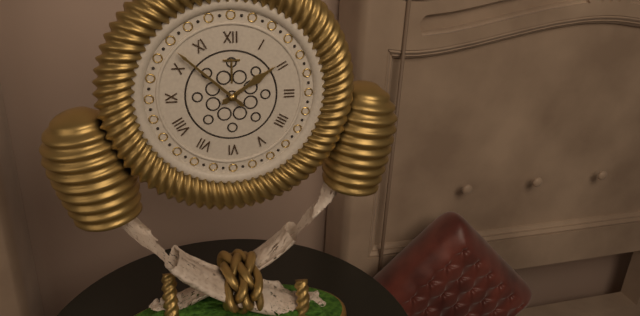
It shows 1 h 52 min
